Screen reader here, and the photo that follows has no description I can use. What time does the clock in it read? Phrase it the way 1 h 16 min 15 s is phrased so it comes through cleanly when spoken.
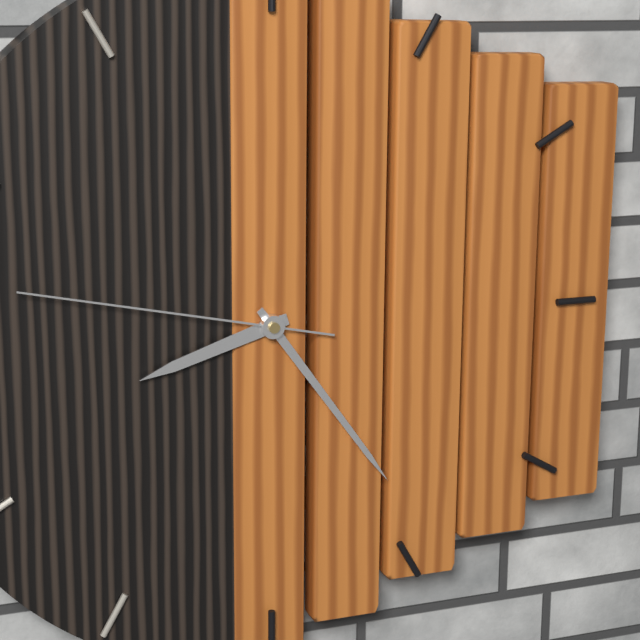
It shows 8 h 24 min 47 s
